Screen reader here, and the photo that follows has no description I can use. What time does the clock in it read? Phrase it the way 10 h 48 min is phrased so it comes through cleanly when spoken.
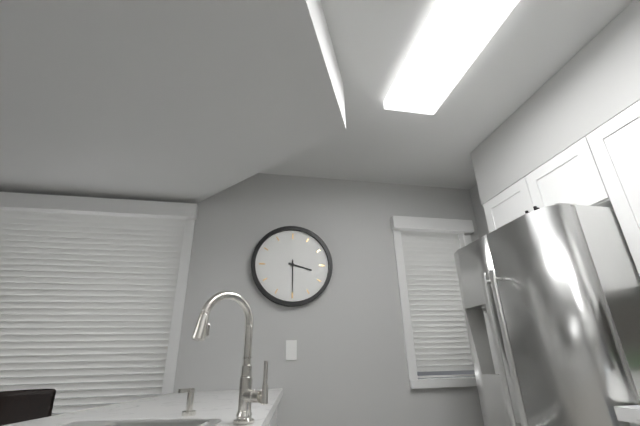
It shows 3 h 30 min
